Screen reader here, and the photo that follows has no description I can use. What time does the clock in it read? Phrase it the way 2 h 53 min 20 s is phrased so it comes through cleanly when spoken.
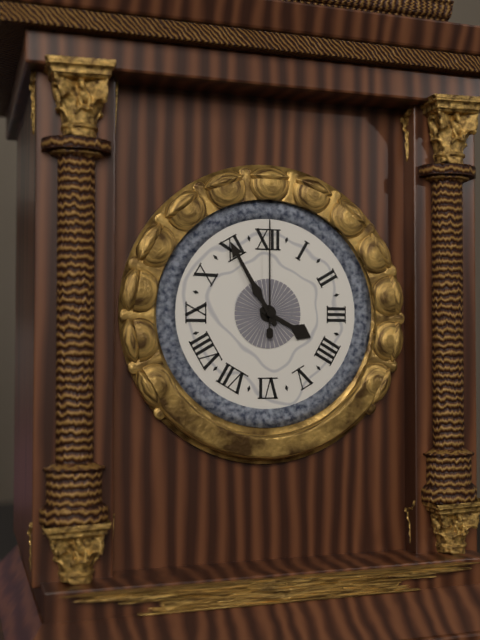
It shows 3 h 55 min 00 s
